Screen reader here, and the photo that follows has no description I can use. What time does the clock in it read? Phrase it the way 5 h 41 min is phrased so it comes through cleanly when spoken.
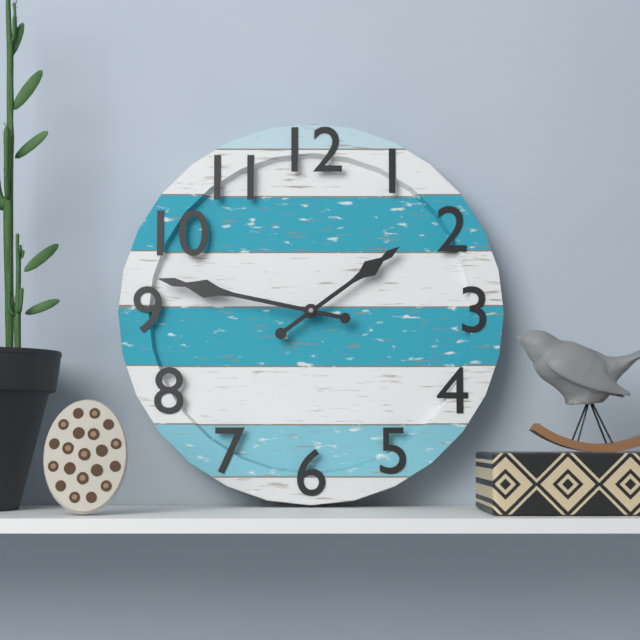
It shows 1 h 47 min
